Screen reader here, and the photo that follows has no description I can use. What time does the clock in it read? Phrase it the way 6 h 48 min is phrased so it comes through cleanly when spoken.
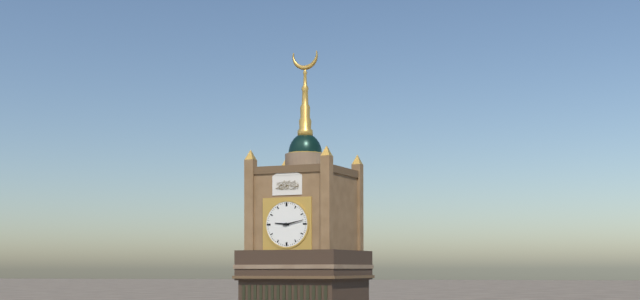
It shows 9 h 13 min
